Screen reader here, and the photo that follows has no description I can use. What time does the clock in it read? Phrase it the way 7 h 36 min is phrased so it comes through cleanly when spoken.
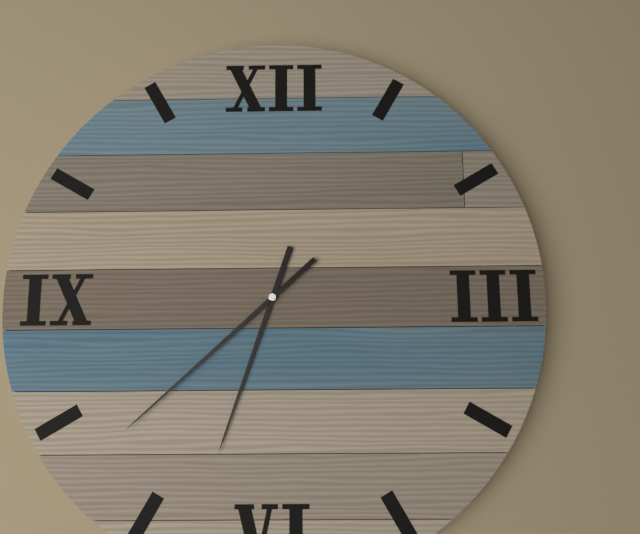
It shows 6 h 38 min
